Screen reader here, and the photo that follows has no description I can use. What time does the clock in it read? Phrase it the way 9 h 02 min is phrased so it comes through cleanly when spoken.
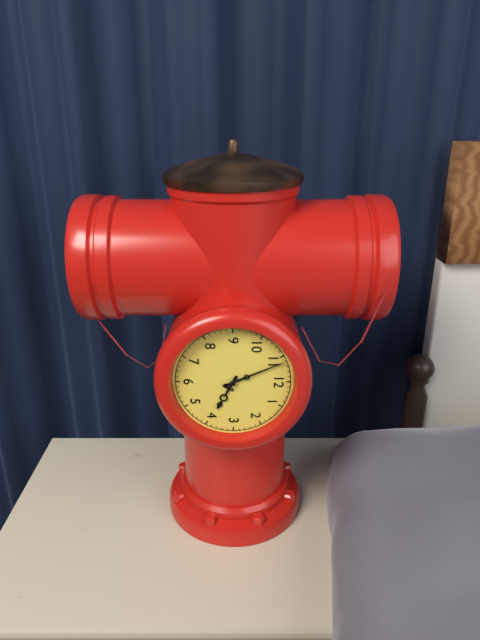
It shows 3 h 56 min
